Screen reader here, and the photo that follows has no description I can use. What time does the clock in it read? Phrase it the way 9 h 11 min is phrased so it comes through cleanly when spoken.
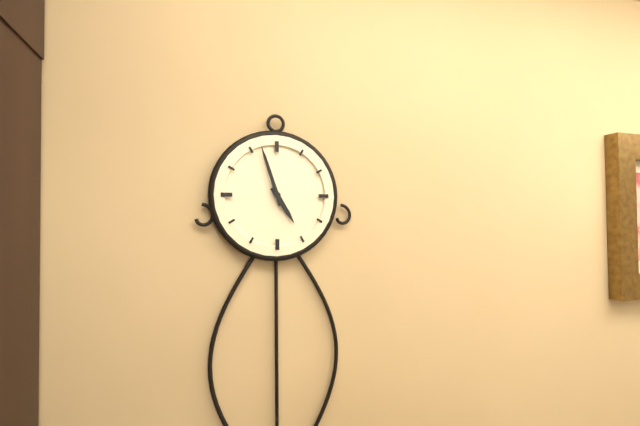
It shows 4 h 57 min
